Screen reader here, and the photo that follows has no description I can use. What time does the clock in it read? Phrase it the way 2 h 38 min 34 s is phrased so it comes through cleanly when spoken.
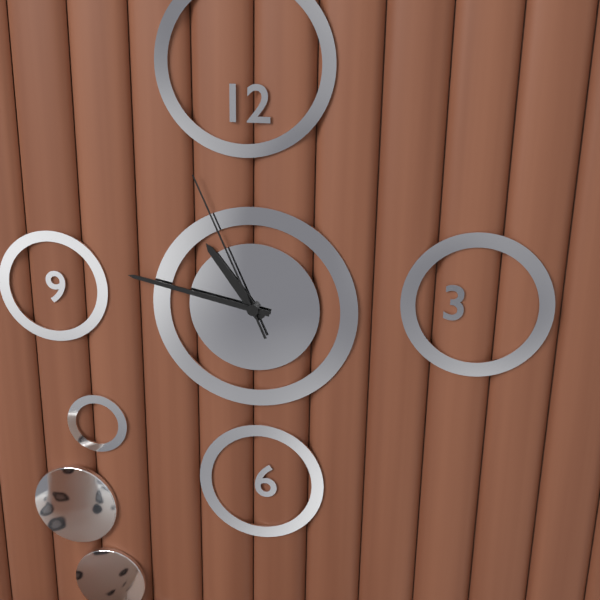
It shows 10 h 47 min 56 s
